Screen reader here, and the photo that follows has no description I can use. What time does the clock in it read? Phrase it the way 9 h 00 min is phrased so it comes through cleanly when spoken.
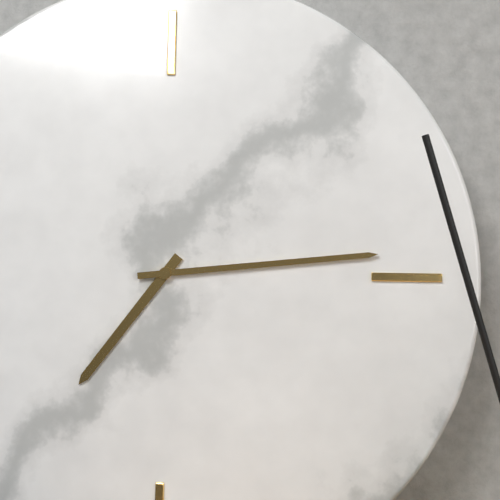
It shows 7 h 14 min
